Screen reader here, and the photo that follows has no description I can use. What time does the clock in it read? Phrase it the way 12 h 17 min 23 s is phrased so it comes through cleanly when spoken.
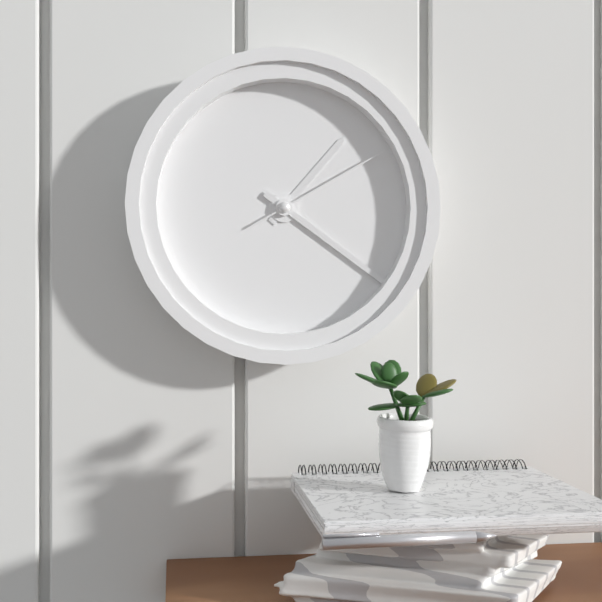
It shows 1 h 21 min 10 s
